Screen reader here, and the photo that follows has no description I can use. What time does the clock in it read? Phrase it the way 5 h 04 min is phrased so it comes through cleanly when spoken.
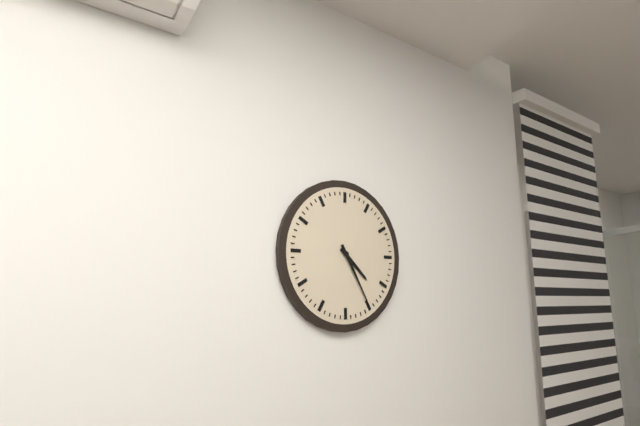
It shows 4 h 25 min
